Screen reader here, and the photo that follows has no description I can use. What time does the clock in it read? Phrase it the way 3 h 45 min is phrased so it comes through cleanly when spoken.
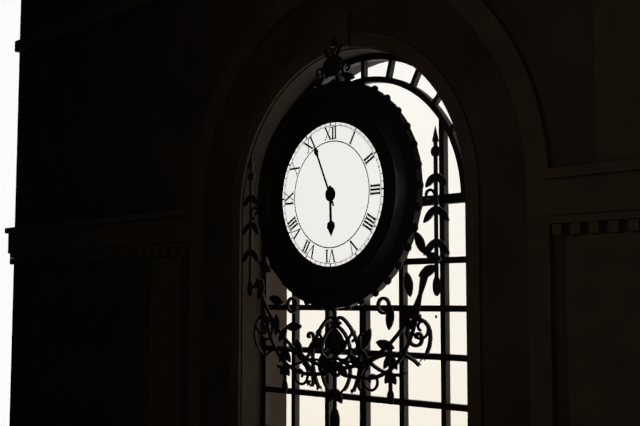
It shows 5 h 56 min
